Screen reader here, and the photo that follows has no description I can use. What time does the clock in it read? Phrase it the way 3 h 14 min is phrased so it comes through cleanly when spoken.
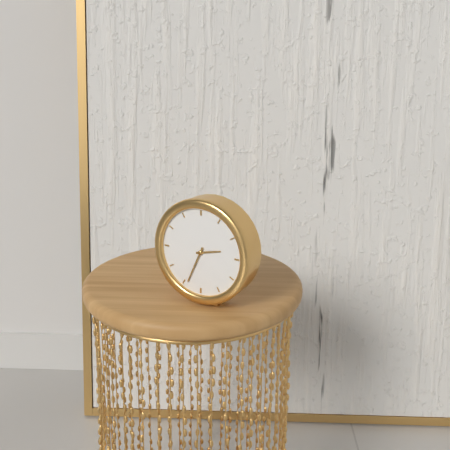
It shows 2 h 34 min
